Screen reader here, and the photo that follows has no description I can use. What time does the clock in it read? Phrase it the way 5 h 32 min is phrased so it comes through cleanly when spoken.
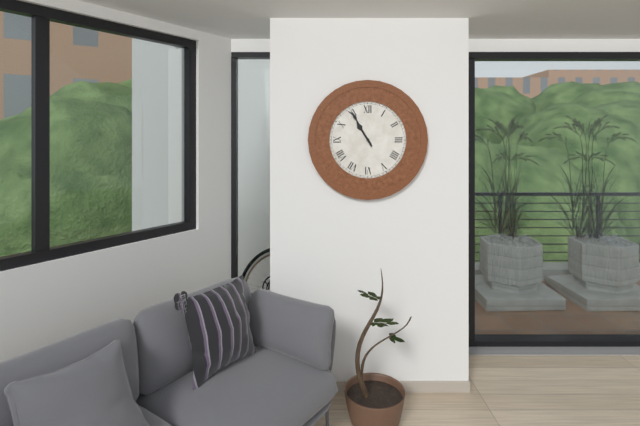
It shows 10 h 55 min
